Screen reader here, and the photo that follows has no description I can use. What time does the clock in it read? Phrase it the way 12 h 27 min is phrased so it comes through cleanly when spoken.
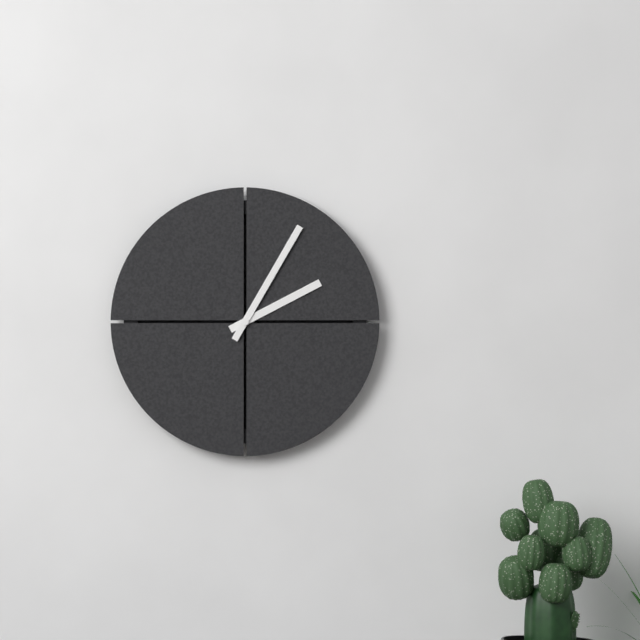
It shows 2 h 05 min
